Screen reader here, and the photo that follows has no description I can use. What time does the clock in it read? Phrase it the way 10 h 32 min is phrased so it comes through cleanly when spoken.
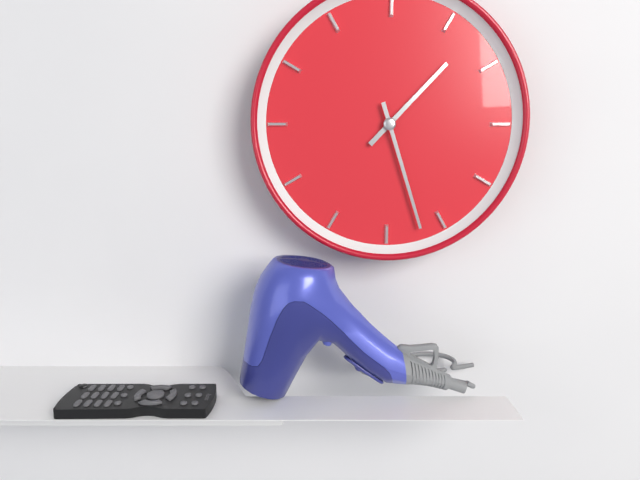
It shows 1 h 27 min
